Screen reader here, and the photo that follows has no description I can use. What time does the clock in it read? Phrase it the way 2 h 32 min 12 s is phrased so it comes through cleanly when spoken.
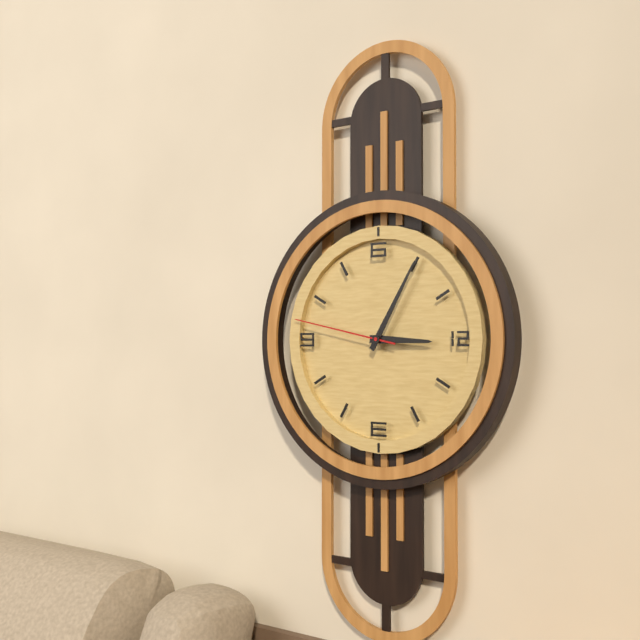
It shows 3 h 05 min 47 s
